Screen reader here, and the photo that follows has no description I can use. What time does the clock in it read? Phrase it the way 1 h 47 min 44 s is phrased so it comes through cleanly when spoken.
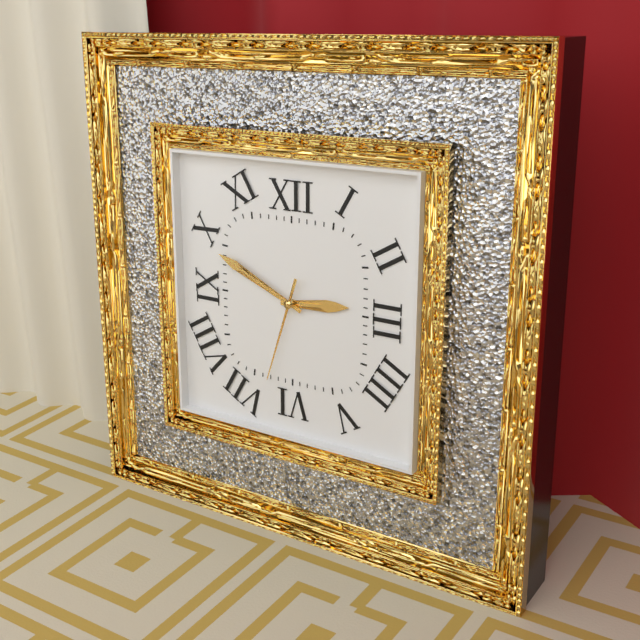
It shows 2 h 49 min 33 s
